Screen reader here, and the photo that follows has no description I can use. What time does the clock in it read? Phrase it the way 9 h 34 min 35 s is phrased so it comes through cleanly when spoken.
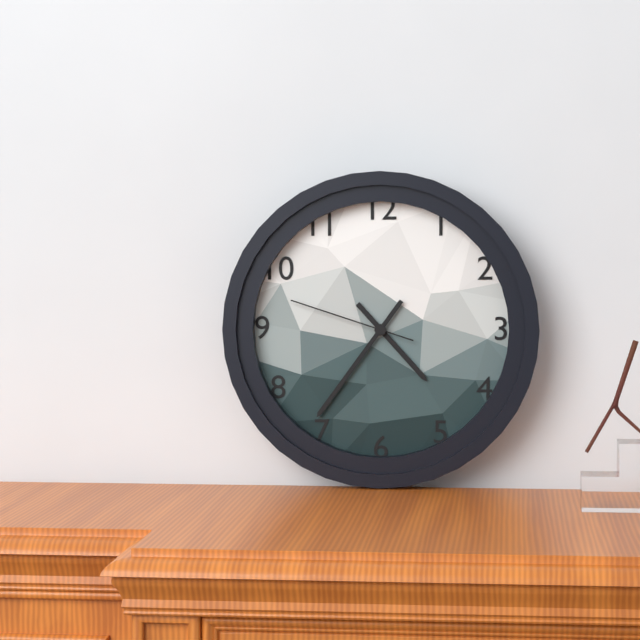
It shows 4 h 36 min 48 s
